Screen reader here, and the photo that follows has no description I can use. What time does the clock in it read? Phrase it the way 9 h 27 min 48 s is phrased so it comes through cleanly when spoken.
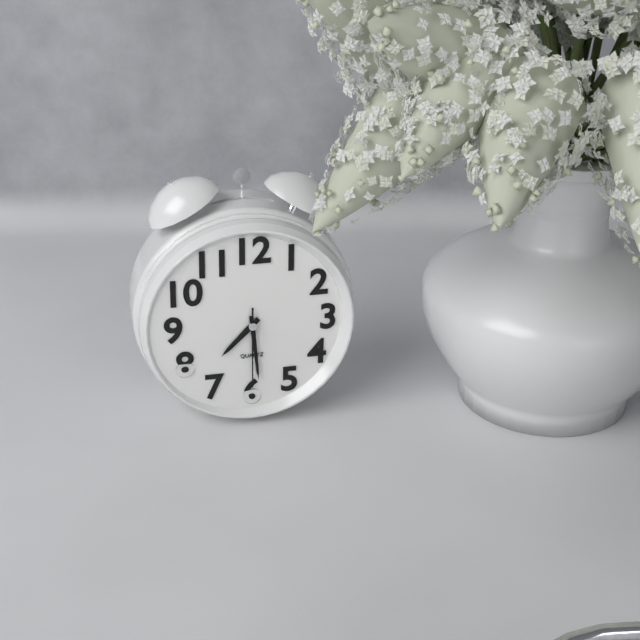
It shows 7 h 29 min 30 s
